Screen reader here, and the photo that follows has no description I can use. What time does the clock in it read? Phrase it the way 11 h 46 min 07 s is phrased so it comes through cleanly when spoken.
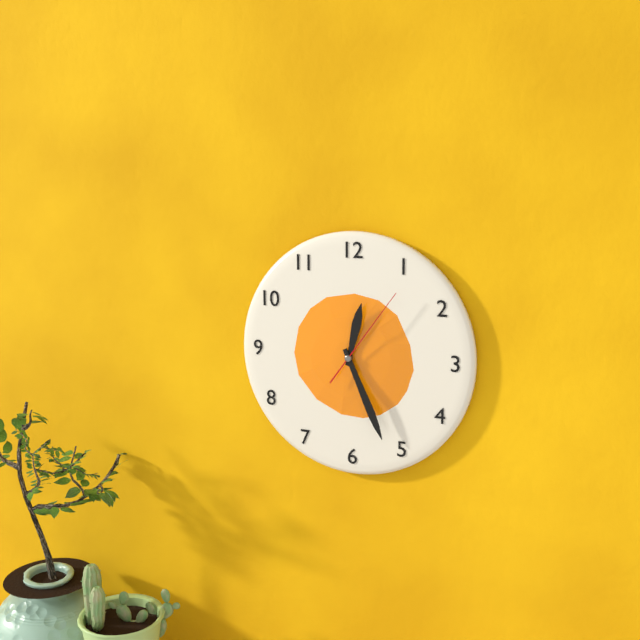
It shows 12 h 26 min 06 s
